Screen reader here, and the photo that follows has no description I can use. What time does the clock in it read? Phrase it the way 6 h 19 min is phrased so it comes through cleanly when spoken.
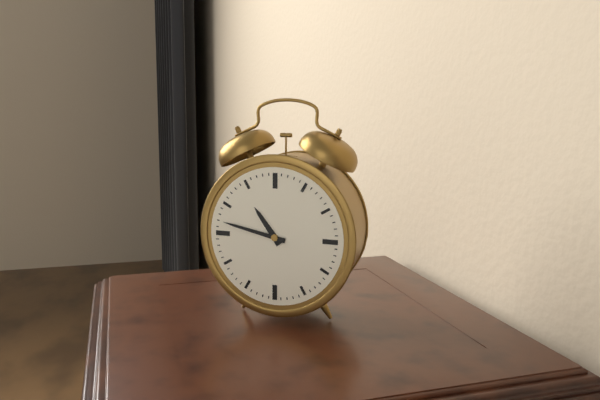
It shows 10 h 47 min
